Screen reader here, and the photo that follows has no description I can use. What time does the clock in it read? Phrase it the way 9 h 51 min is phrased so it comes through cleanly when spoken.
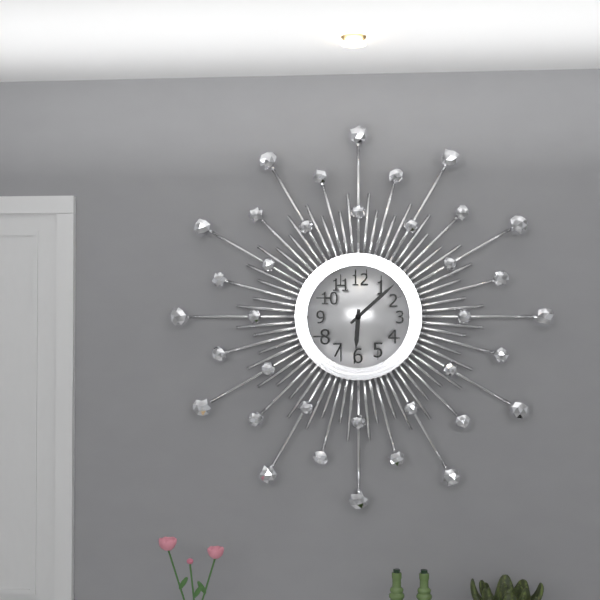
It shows 6 h 08 min
